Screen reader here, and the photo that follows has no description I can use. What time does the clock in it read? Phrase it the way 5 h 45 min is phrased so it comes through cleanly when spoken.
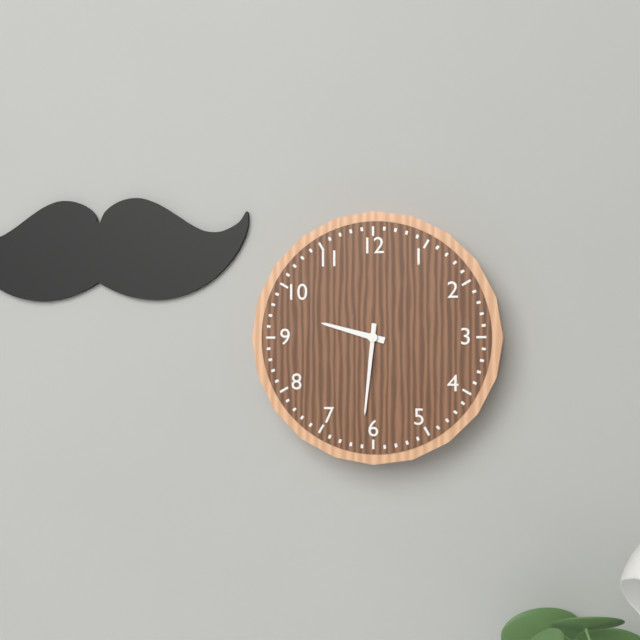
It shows 9 h 31 min
